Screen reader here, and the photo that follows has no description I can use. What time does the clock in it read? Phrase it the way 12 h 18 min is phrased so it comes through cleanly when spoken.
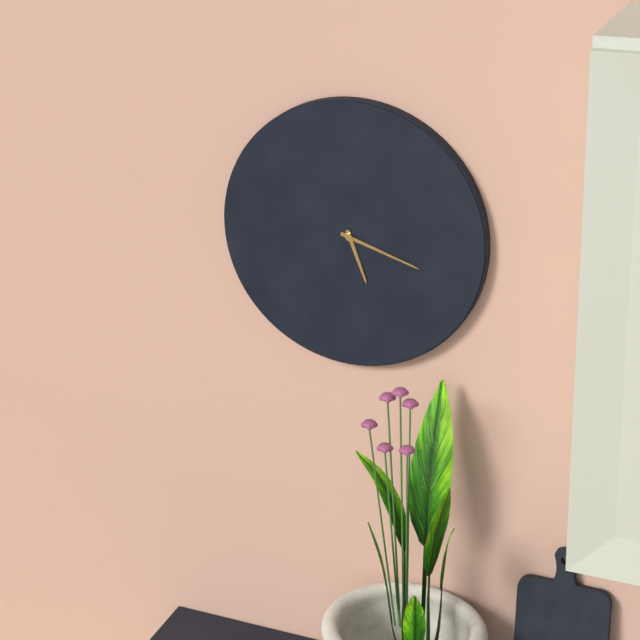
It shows 5 h 18 min
